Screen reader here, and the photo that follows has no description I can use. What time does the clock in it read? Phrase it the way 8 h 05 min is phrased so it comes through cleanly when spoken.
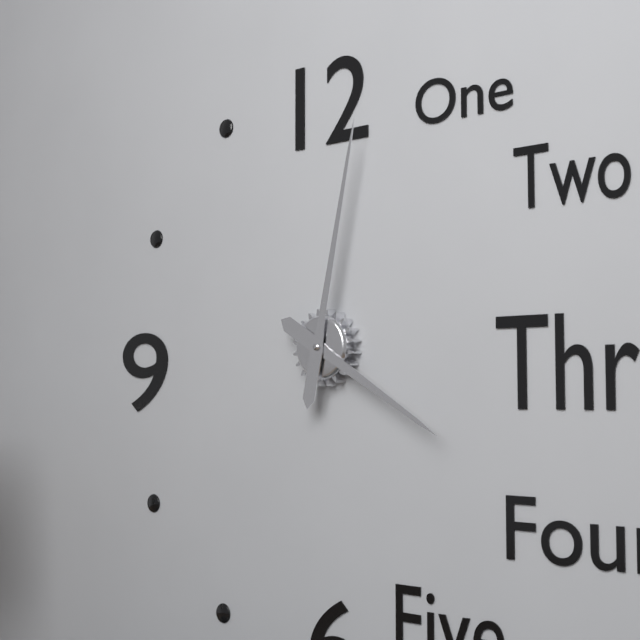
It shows 4 h 02 min
